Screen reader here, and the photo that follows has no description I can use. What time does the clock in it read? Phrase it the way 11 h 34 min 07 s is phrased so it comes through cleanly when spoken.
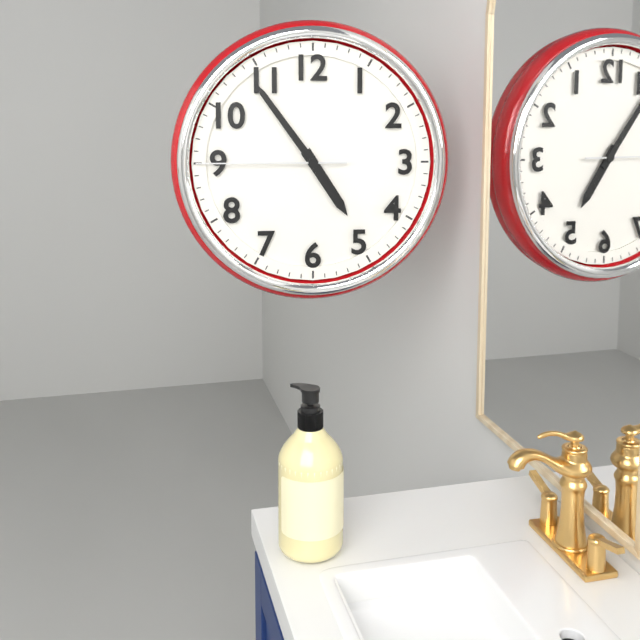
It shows 4 h 54 min 45 s
